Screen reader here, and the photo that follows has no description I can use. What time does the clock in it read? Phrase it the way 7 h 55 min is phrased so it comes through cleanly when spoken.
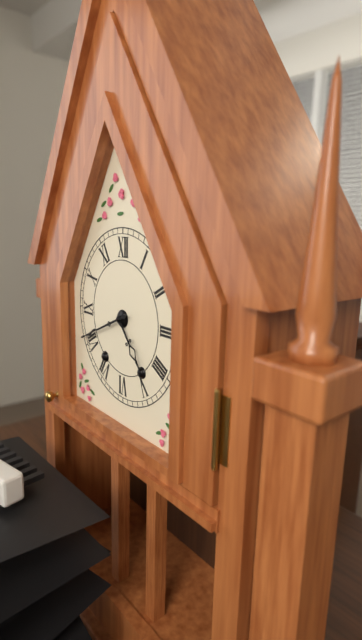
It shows 4 h 41 min
